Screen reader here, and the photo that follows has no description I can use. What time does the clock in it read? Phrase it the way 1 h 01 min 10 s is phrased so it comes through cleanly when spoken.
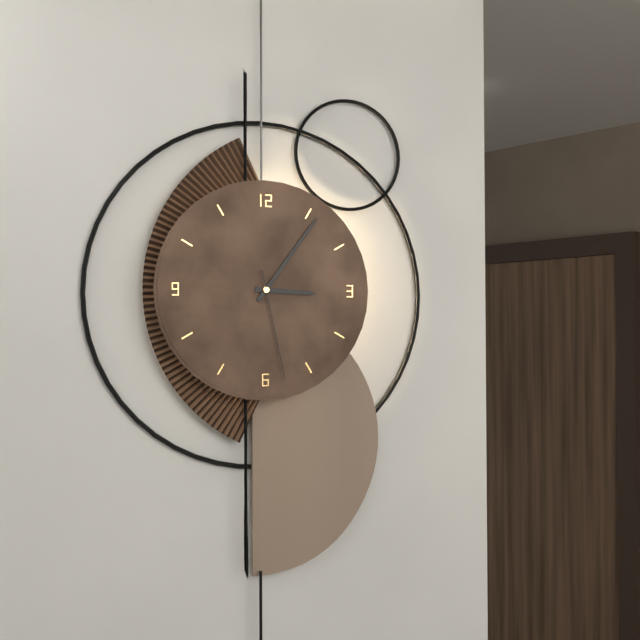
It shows 3 h 06 min 28 s
